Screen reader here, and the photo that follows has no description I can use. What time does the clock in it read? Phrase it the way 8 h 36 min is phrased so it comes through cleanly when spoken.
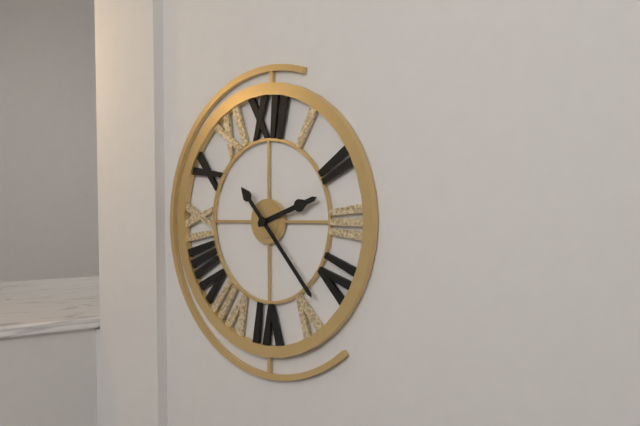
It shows 2 h 23 min
